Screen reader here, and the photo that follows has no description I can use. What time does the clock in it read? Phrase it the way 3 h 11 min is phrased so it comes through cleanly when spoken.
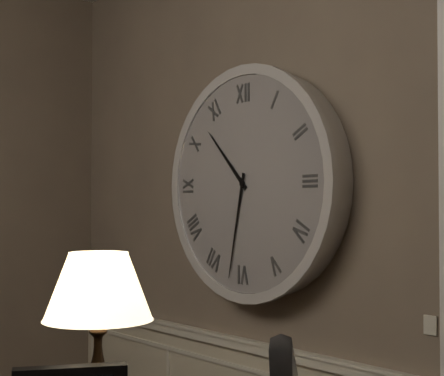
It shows 10 h 32 min
